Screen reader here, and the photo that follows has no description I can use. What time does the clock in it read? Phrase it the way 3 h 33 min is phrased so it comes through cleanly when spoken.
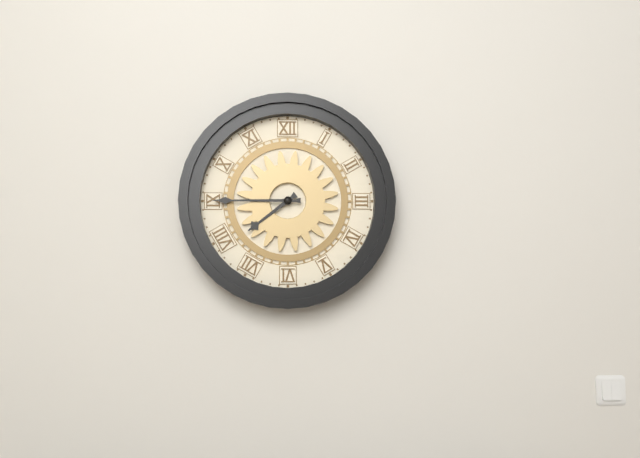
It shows 7 h 45 min
